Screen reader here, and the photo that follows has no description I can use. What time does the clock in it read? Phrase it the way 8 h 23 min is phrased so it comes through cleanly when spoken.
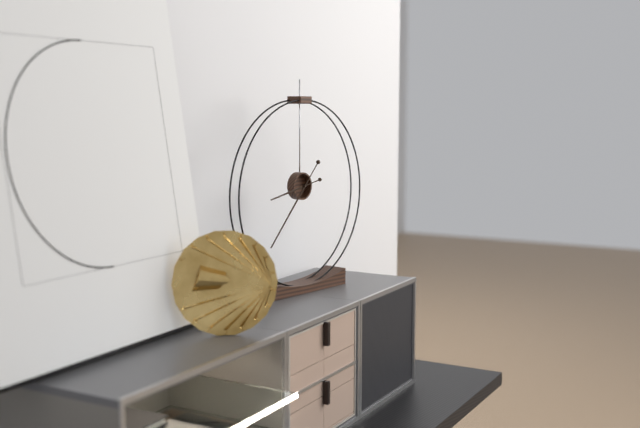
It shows 8 h 37 min
